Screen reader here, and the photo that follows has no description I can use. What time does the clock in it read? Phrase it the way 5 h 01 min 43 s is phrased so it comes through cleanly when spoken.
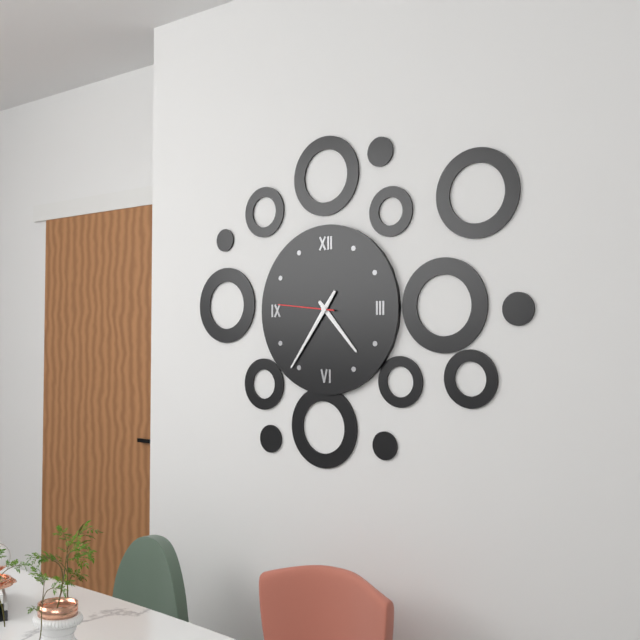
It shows 4 h 36 min 46 s
